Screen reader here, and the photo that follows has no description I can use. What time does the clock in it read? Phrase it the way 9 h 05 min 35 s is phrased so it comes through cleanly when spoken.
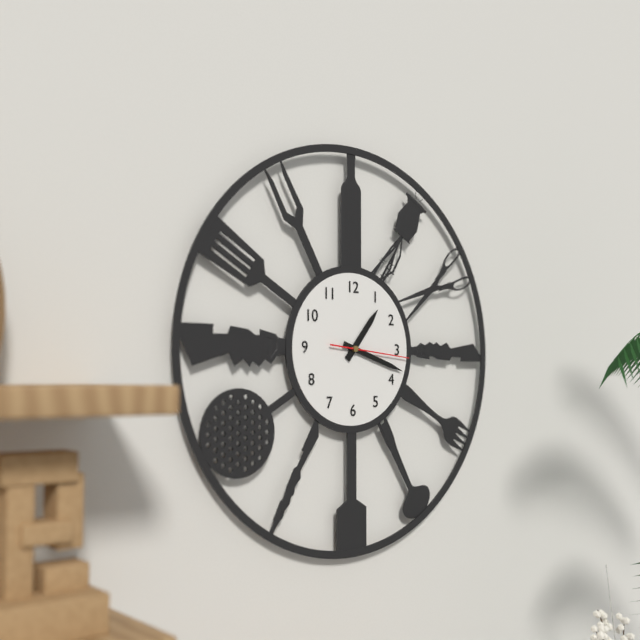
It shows 1 h 18 min 16 s
